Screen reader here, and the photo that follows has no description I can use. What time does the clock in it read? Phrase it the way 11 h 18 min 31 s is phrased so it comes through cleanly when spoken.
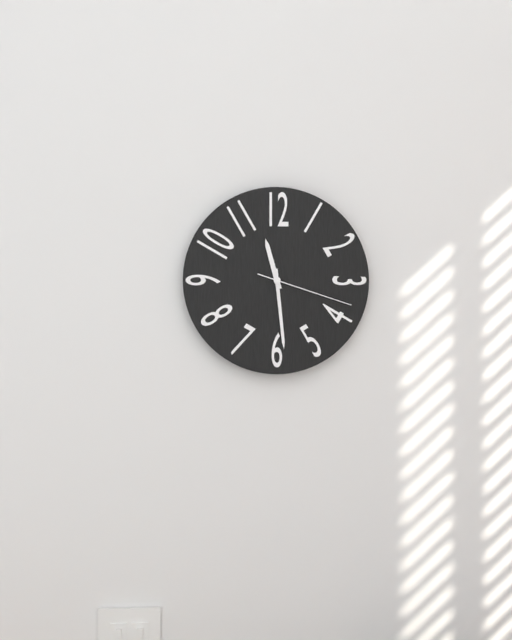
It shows 11 h 29 min 18 s
